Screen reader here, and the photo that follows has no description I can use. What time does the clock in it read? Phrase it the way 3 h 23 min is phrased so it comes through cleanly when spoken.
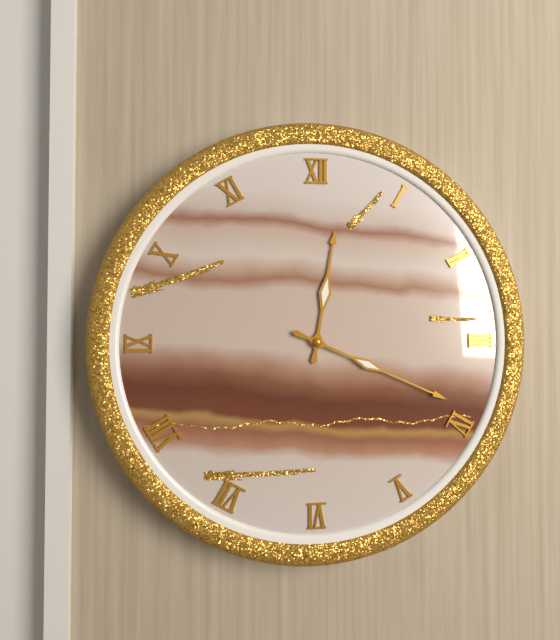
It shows 12 h 19 min
